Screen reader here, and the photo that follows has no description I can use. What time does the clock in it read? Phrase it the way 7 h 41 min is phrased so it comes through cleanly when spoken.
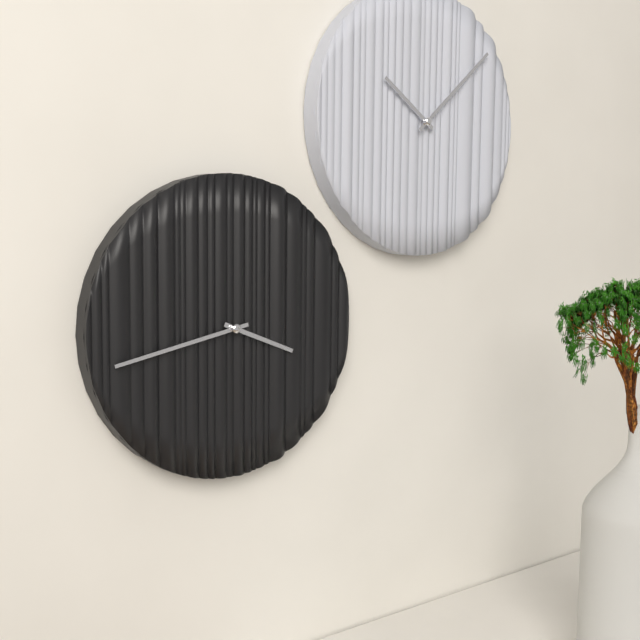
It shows 3 h 43 min
